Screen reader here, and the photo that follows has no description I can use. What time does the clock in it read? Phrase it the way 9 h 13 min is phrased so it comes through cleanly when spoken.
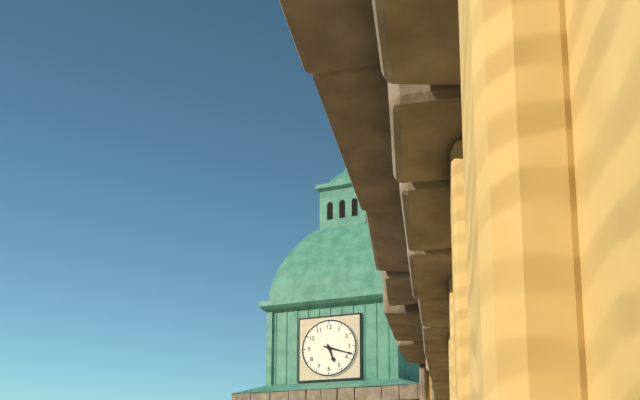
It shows 5 h 18 min
